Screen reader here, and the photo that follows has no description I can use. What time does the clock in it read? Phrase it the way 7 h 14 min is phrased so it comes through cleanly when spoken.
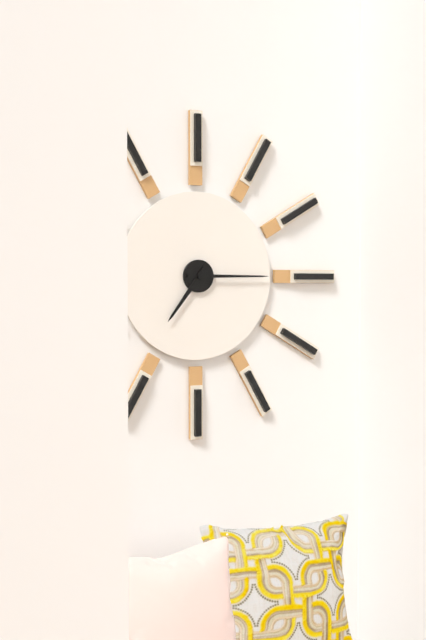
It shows 7 h 15 min
